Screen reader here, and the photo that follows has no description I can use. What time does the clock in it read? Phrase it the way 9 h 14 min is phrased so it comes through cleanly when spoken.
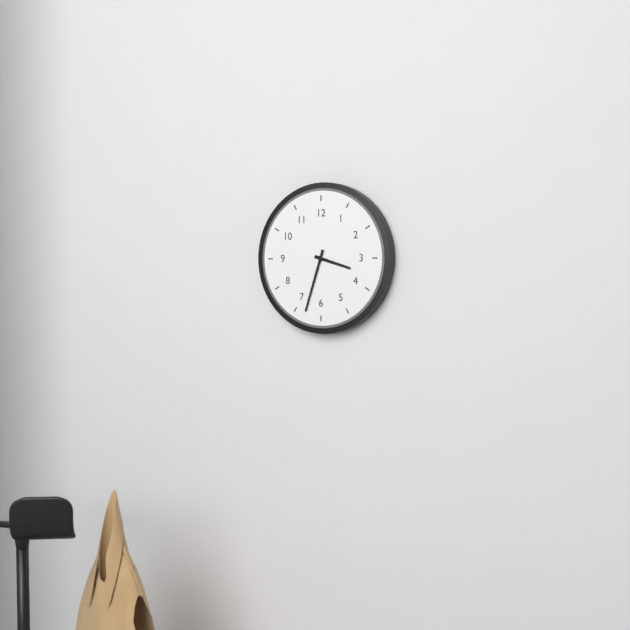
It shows 3 h 33 min
